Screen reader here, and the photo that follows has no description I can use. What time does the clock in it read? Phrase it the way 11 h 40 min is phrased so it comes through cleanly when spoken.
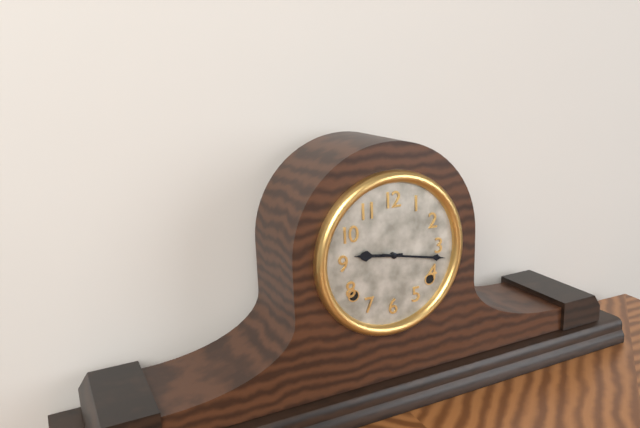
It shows 9 h 17 min
